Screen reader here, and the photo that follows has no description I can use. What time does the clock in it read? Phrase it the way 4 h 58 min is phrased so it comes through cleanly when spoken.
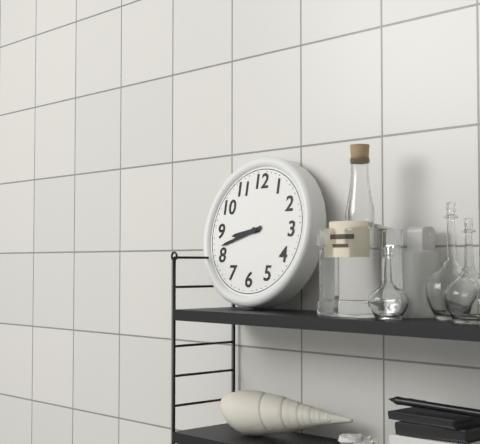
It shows 8 h 42 min
